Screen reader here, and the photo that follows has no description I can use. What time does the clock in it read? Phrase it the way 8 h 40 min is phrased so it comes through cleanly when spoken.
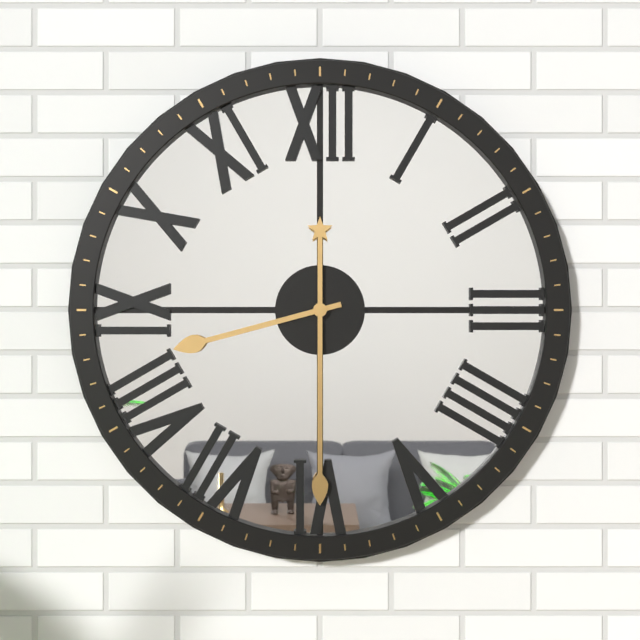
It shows 8 h 30 min
